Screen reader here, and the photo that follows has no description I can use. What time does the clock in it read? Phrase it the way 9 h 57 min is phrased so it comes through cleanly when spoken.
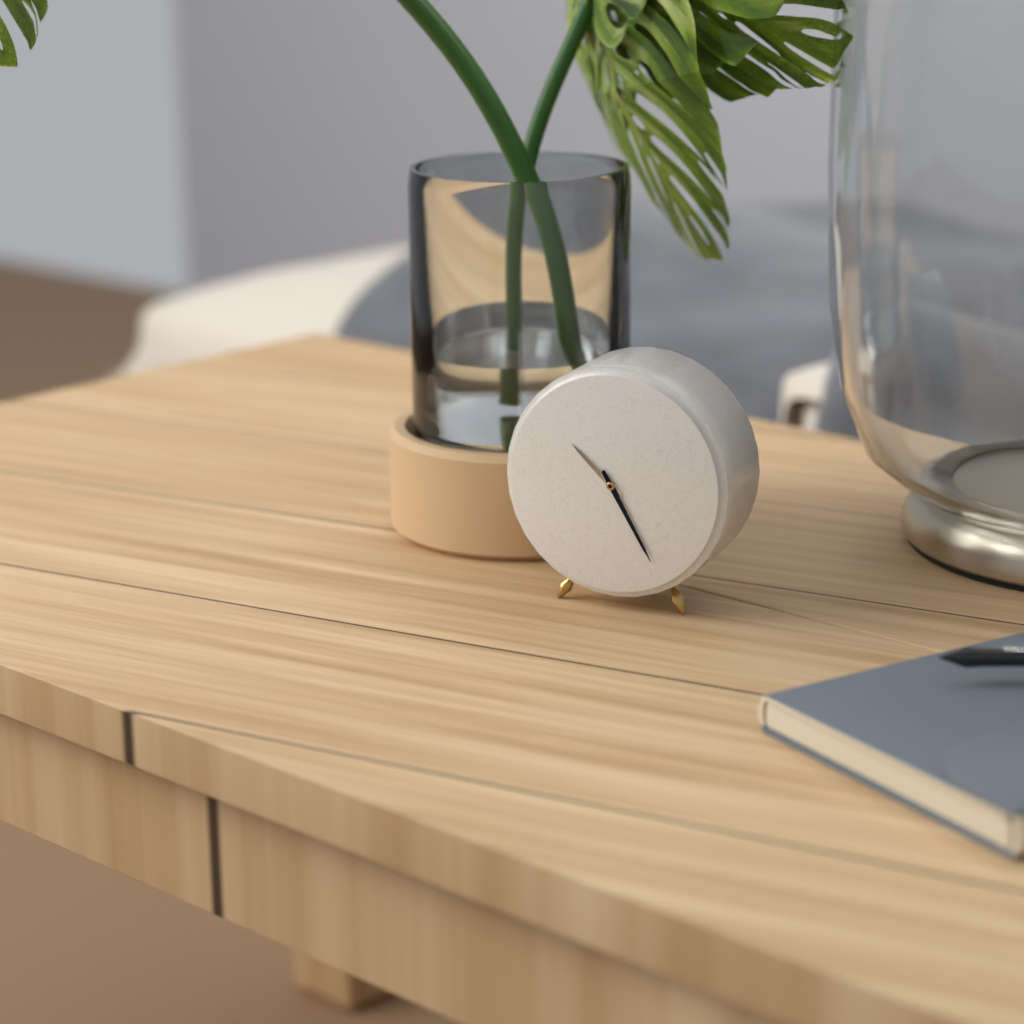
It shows 10 h 25 min
